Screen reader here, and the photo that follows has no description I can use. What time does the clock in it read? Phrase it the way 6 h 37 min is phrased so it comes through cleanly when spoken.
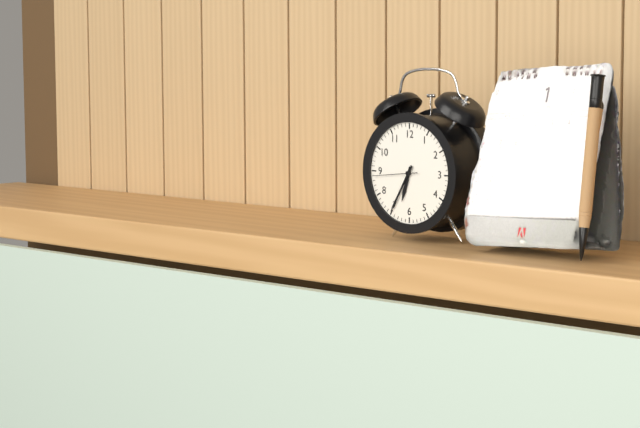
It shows 6 h 35 min
